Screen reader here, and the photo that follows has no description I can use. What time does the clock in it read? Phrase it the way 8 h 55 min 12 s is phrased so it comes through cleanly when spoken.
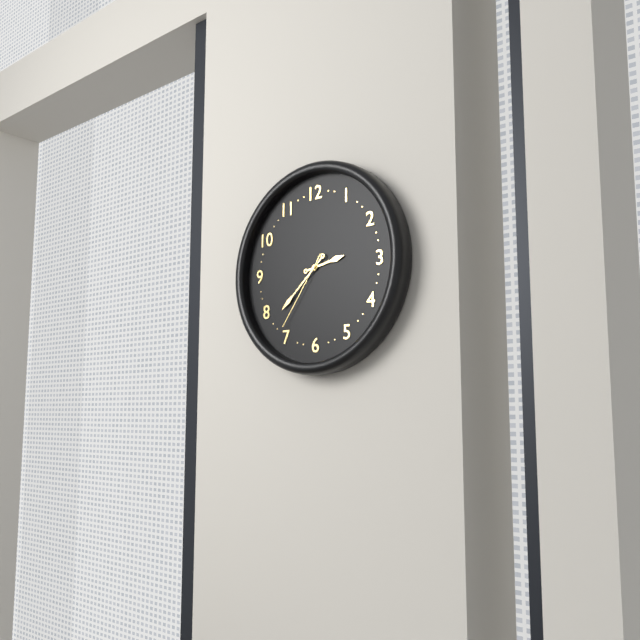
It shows 2 h 38 min 36 s
